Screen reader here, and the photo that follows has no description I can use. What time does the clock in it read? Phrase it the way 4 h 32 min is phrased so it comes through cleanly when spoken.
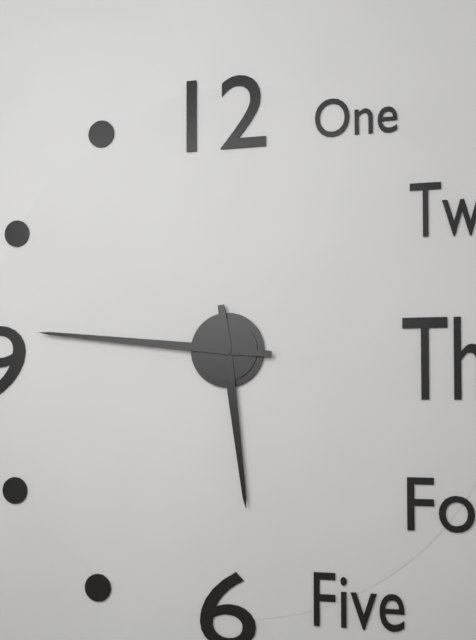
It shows 5 h 46 min
